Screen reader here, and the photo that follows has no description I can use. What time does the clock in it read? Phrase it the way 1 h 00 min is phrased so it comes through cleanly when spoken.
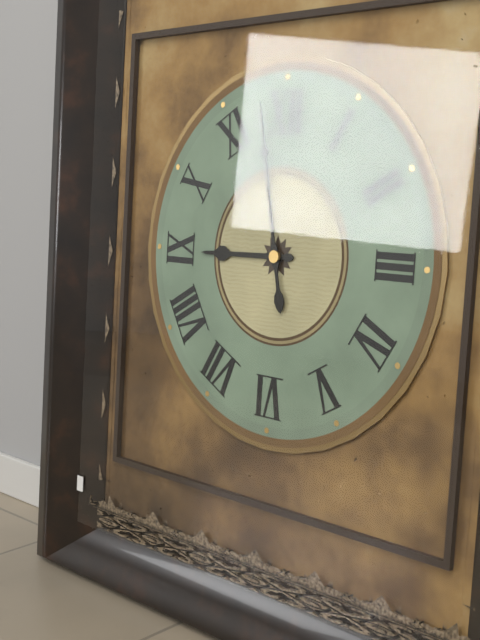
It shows 8 h 58 min
